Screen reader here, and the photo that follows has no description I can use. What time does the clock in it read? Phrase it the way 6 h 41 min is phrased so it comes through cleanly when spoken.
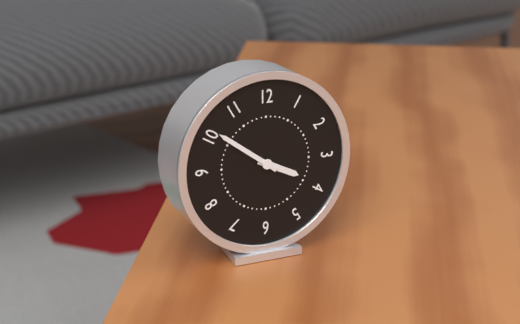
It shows 3 h 51 min
